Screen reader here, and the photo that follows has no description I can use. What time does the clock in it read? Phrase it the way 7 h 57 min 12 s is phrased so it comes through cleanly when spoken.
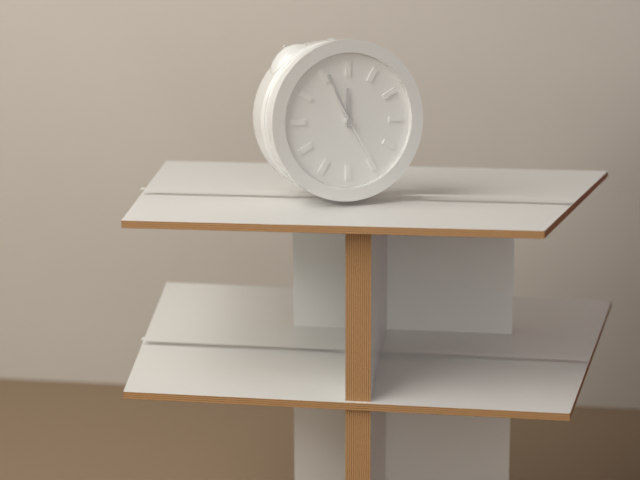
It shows 11 h 56 min 25 s
